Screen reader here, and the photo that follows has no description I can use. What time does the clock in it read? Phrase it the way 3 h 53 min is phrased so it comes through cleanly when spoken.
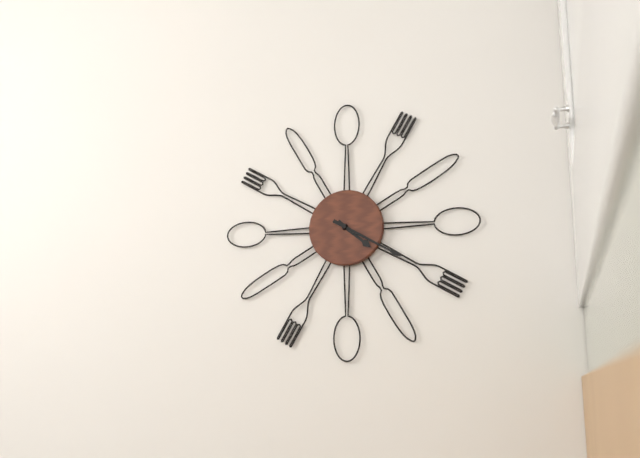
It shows 4 h 20 min
